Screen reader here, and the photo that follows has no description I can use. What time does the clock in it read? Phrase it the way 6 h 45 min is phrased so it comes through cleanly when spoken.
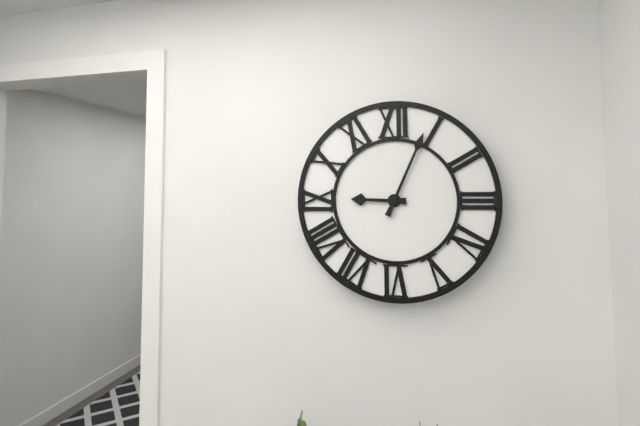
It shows 9 h 04 min
